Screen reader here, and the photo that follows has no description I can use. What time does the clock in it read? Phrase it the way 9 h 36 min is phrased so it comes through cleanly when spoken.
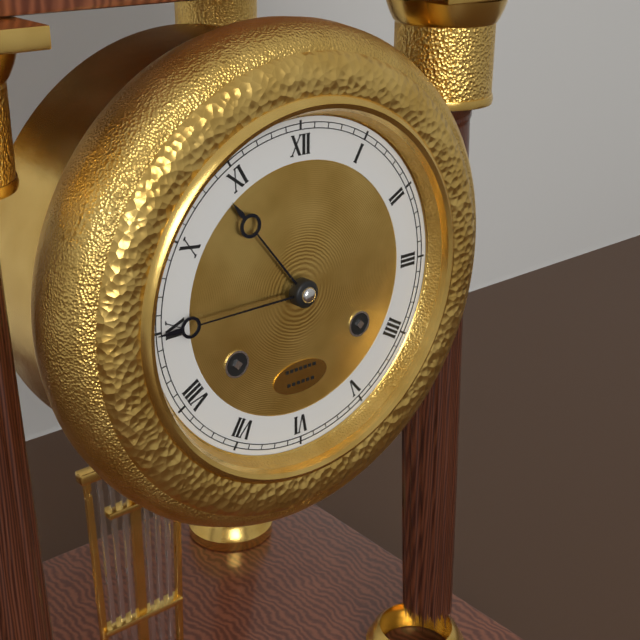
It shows 10 h 45 min
